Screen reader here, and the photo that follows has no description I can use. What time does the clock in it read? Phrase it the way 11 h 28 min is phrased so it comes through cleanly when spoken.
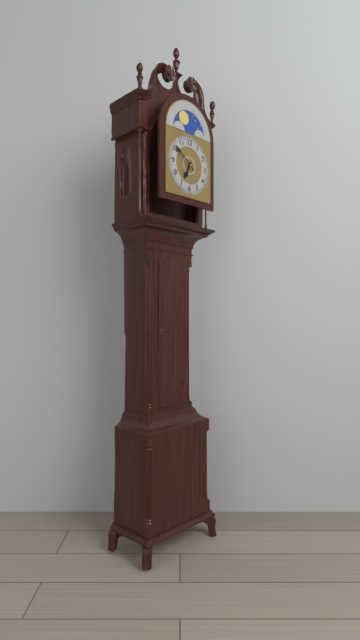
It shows 6 h 51 min
